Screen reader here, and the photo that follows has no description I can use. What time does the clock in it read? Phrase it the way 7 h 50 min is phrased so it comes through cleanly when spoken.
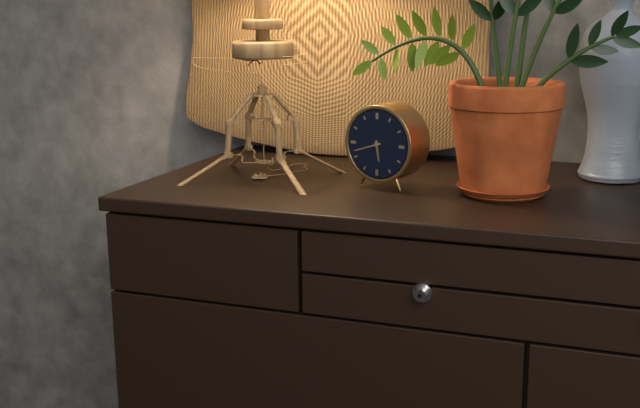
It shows 5 h 42 min
